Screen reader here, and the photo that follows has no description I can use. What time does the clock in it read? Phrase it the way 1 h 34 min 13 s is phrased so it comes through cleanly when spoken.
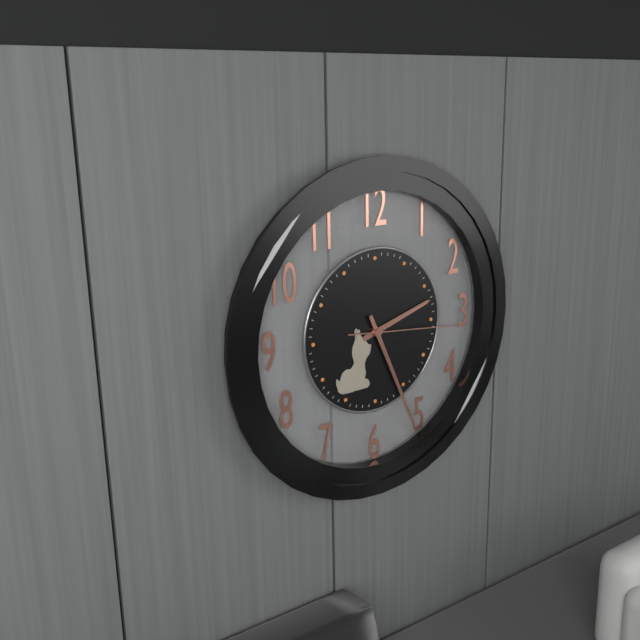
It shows 2 h 26 min 16 s
